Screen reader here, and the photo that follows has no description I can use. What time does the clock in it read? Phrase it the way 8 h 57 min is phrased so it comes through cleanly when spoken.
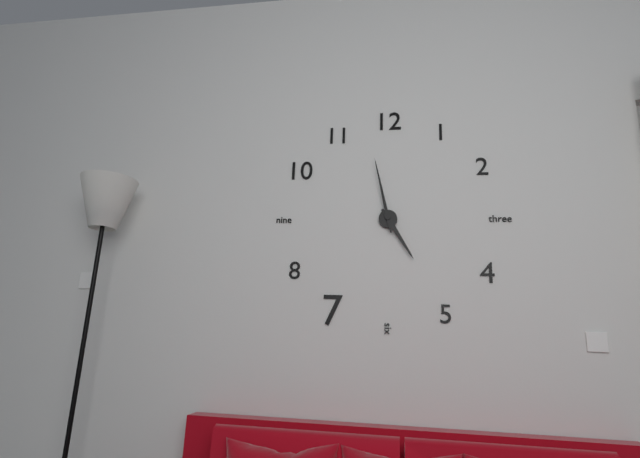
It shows 4 h 58 min
